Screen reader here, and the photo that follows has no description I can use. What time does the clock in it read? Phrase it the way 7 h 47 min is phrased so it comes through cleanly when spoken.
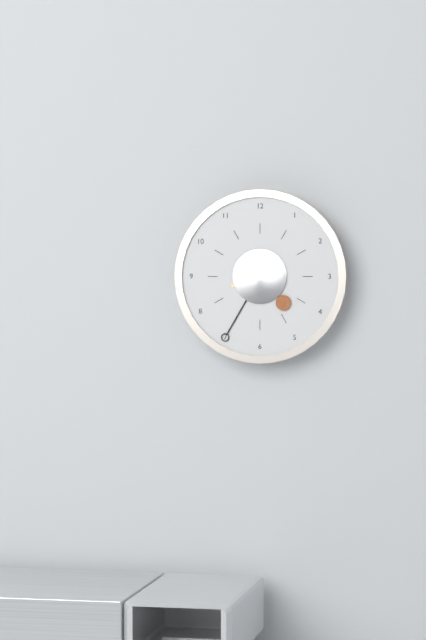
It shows 4 h 35 min
